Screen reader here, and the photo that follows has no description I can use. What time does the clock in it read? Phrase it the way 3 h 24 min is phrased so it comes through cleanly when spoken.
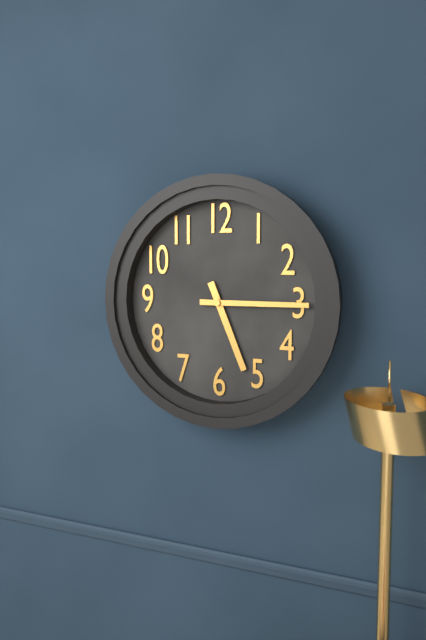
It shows 5 h 15 min
